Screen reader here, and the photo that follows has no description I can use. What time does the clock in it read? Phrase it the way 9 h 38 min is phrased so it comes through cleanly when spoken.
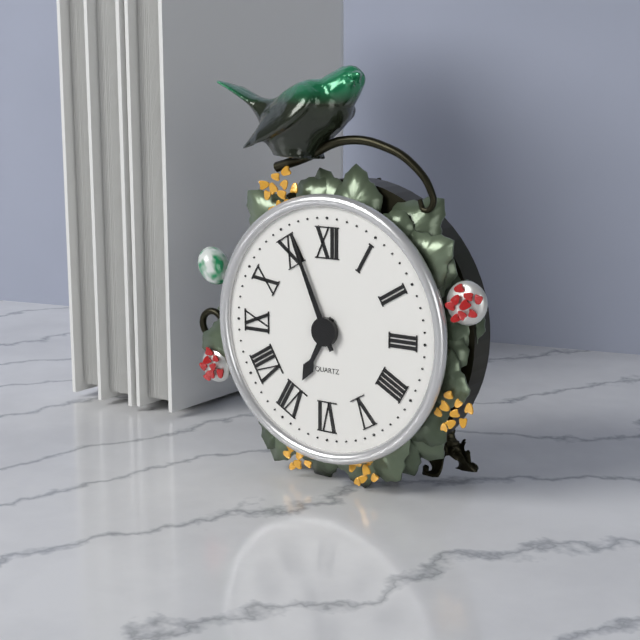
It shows 6 h 56 min
